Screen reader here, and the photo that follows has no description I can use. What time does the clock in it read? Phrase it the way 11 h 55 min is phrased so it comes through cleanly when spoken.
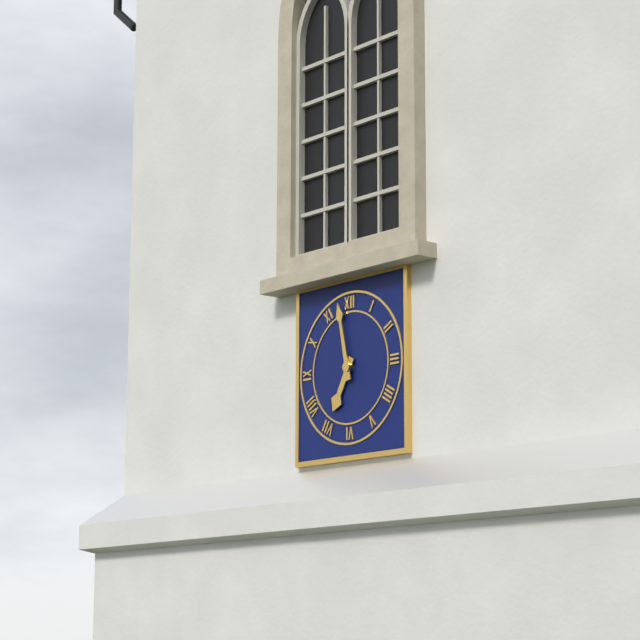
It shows 6 h 58 min
